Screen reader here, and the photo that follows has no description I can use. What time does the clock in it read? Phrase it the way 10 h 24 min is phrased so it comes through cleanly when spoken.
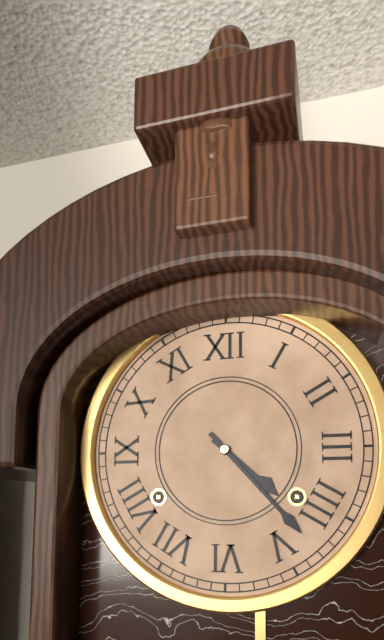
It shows 4 h 23 min
